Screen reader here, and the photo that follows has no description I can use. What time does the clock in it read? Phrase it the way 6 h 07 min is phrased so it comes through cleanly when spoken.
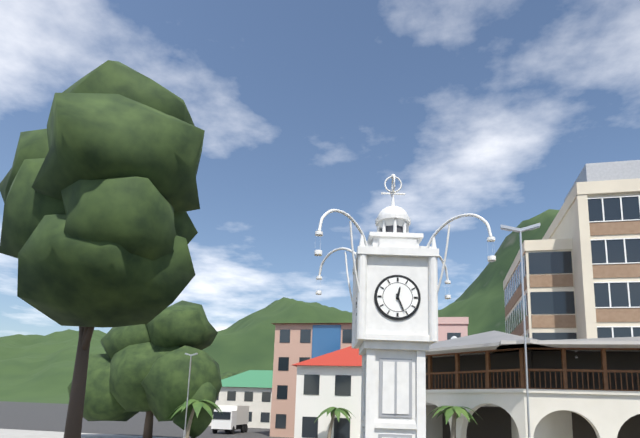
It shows 12 h 26 min
